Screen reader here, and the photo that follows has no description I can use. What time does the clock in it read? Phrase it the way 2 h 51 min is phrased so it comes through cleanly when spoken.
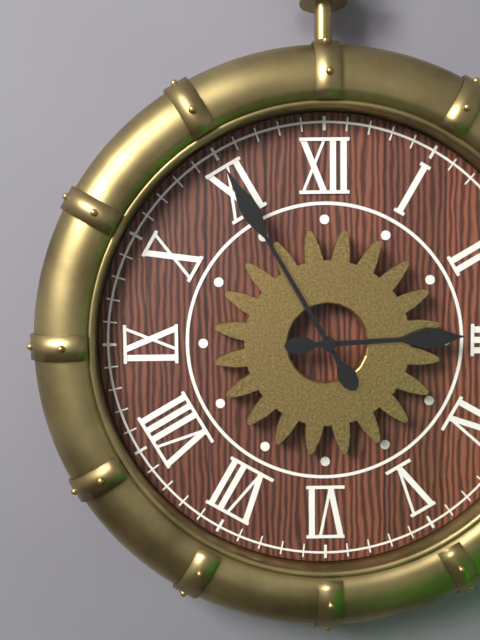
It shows 2 h 55 min
